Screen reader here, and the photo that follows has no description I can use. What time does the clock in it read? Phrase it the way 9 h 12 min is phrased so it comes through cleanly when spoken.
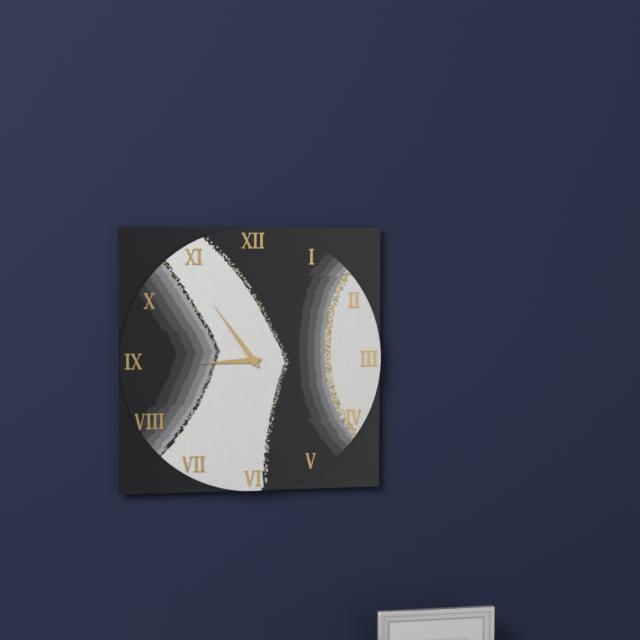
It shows 8 h 54 min
